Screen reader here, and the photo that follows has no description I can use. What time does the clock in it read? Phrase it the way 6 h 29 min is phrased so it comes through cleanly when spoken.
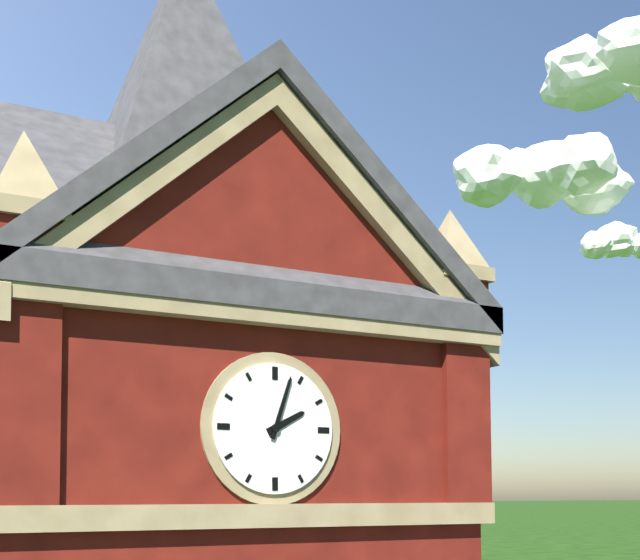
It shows 2 h 03 min
